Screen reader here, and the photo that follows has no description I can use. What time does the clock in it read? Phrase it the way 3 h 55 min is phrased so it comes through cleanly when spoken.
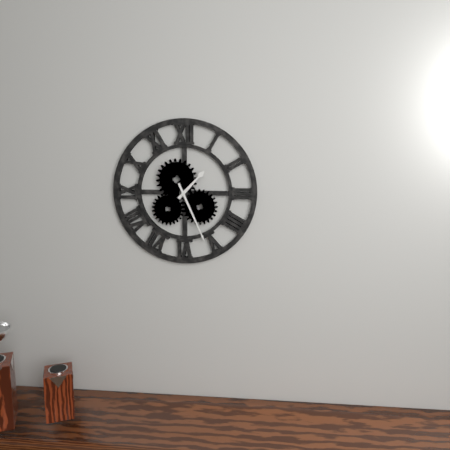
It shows 1 h 26 min
